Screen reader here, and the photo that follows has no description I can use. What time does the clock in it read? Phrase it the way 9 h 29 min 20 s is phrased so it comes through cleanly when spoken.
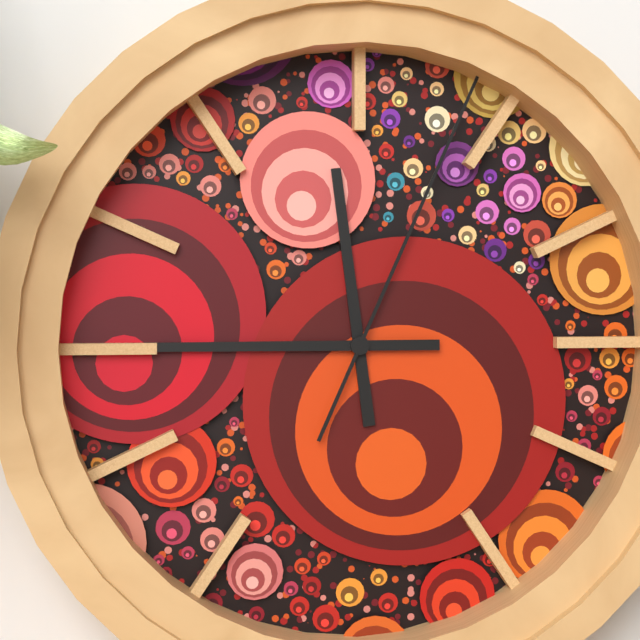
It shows 11 h 45 min 04 s
